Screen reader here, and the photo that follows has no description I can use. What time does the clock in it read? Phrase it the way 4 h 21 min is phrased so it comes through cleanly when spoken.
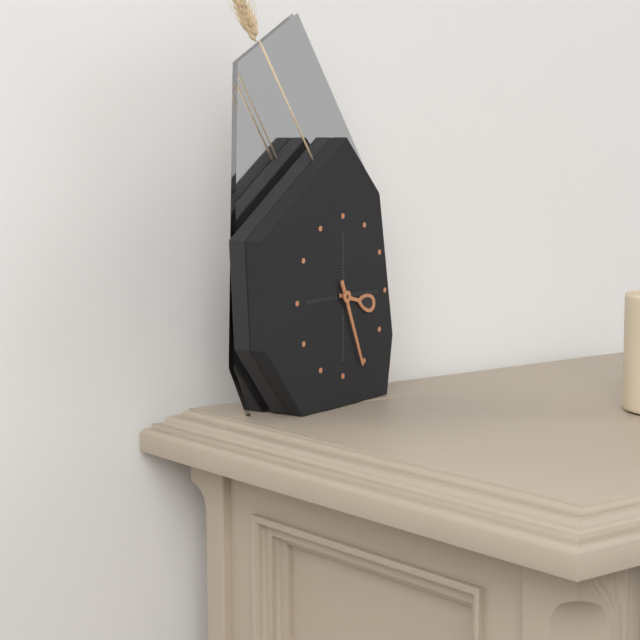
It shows 3 h 26 min
